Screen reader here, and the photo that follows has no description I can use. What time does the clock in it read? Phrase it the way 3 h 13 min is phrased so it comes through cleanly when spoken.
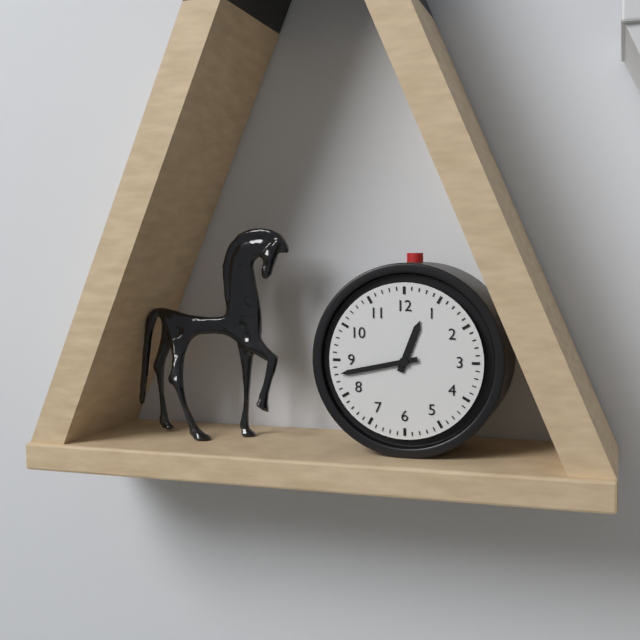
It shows 12 h 43 min
